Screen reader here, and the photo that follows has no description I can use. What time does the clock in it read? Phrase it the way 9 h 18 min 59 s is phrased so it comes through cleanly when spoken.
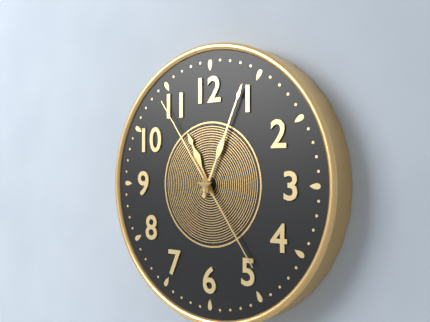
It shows 11 h 04 min 54 s
